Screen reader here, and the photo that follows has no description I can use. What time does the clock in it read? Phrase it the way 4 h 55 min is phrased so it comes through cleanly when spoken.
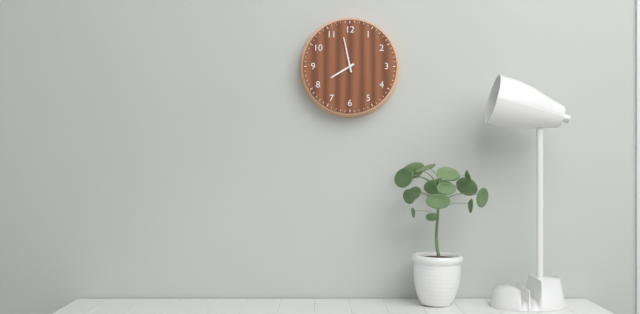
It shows 7 h 58 min
